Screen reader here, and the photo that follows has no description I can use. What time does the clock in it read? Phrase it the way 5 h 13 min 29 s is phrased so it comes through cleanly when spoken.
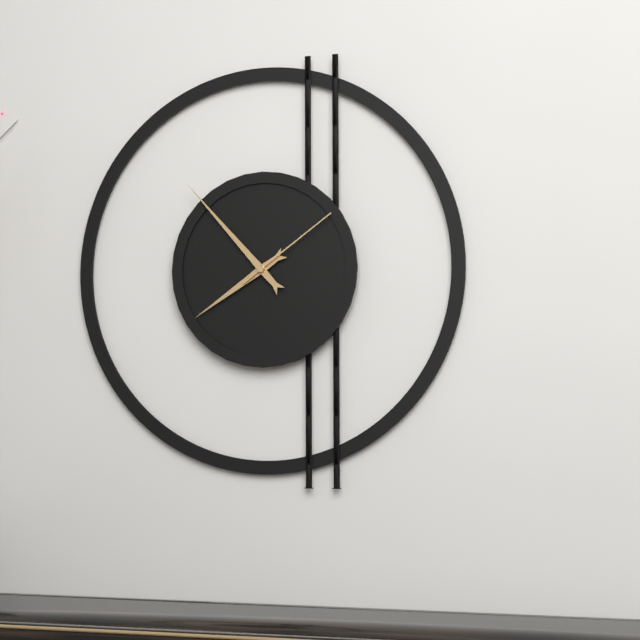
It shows 7 h 53 min 09 s
